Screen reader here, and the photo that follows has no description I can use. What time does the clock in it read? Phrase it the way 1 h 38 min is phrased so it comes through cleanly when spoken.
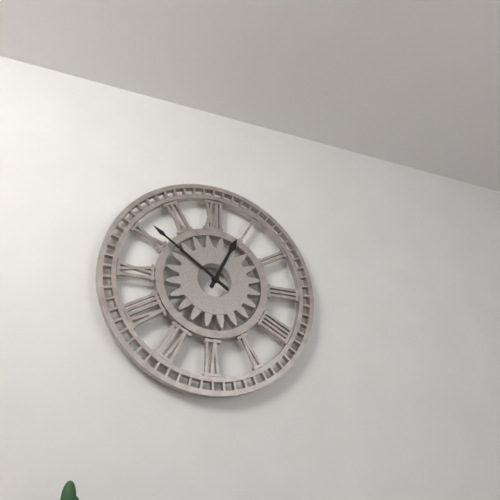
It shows 12 h 51 min
